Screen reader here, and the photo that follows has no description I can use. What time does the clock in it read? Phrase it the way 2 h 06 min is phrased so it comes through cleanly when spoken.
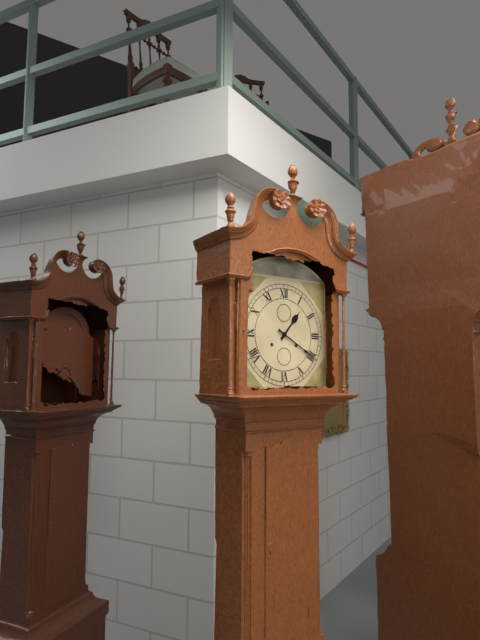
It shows 1 h 20 min
